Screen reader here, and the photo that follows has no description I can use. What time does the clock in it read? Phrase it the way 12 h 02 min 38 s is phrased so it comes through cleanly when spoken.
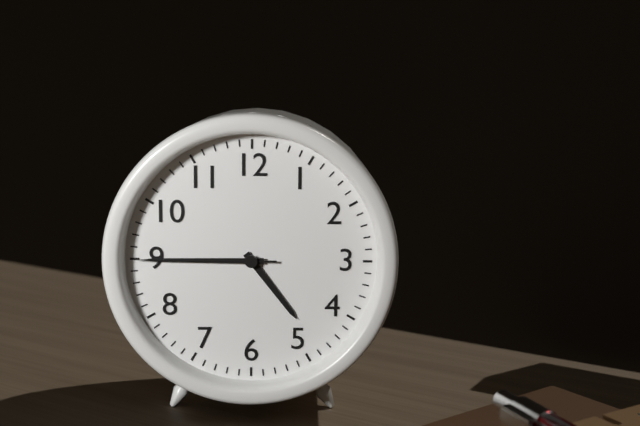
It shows 4 h 45 min 45 s
